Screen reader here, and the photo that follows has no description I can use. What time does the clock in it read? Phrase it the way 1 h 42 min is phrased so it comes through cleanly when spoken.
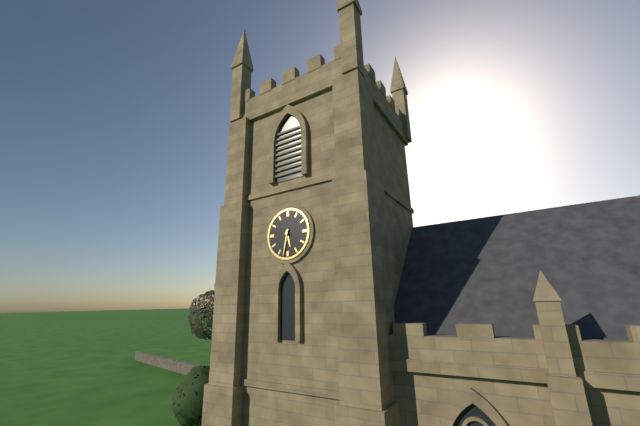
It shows 5 h 32 min
